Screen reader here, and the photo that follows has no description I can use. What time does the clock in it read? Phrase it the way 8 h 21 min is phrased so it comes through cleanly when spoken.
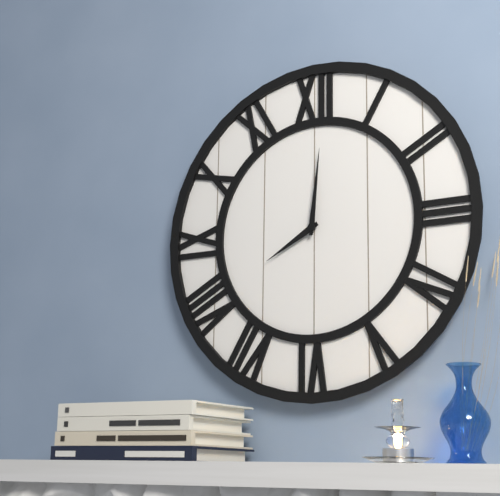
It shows 8 h 01 min
